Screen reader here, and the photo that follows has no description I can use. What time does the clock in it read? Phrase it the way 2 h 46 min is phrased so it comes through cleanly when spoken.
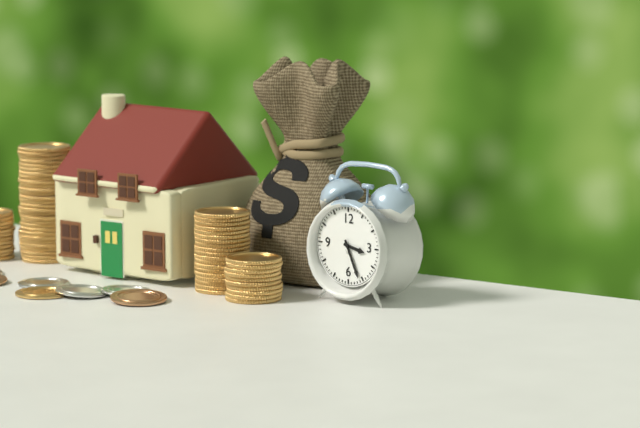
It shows 3 h 26 min
